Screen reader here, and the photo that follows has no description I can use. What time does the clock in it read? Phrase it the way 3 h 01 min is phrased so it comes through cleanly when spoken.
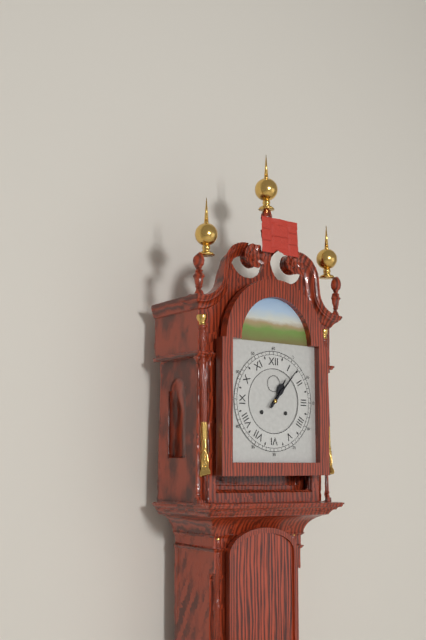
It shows 1 h 07 min
